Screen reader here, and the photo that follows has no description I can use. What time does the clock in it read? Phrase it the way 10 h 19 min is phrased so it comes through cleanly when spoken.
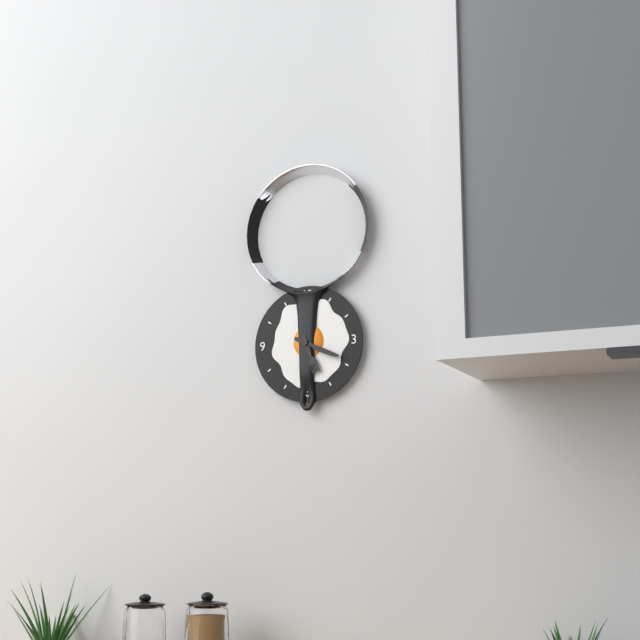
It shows 5 h 19 min
